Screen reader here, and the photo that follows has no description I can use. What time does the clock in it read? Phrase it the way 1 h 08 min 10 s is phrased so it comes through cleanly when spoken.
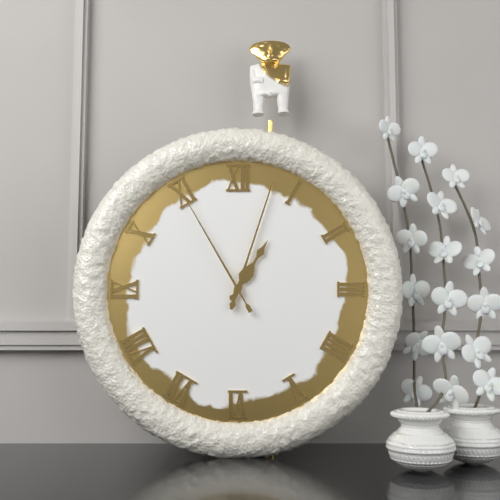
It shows 1 h 03 min 55 s
